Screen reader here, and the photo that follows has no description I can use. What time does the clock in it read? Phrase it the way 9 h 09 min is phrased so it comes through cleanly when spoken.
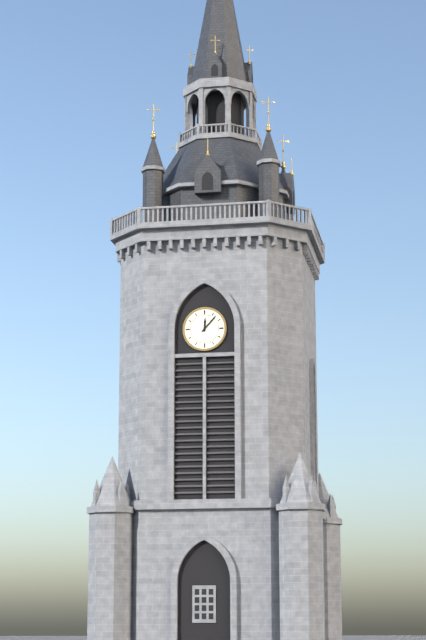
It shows 12 h 07 min
